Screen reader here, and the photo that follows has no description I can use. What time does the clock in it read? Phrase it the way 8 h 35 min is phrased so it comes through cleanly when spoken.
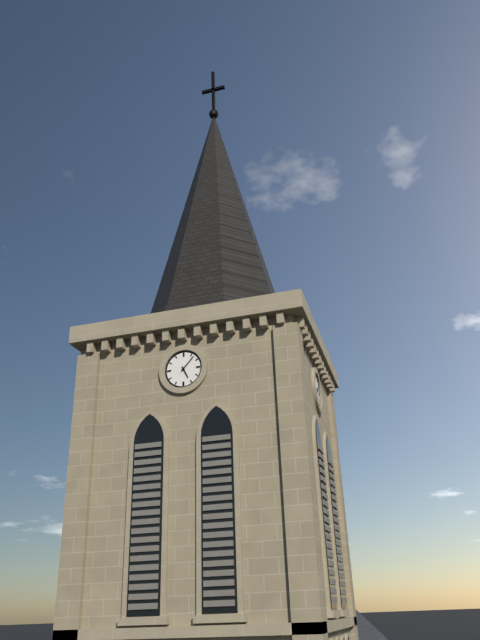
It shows 5 h 07 min
